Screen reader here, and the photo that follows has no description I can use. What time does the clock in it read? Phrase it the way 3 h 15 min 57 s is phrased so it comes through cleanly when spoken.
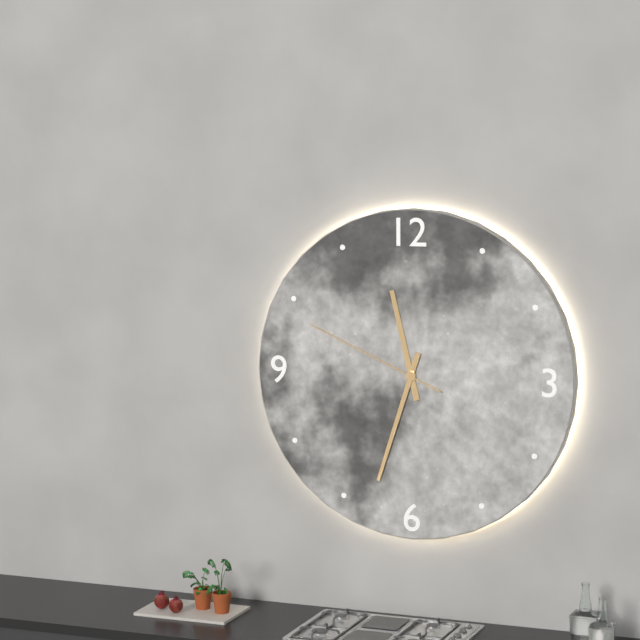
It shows 11 h 33 min 49 s
